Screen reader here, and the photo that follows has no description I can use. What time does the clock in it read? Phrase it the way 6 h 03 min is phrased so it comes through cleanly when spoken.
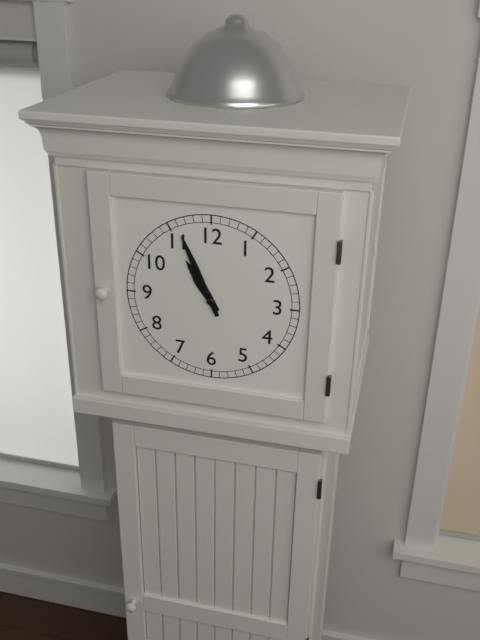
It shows 10 h 56 min
